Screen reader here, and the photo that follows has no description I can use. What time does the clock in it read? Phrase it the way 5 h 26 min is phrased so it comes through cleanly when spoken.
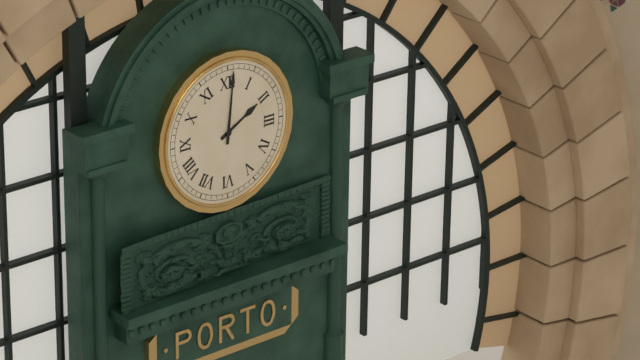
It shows 2 h 01 min
